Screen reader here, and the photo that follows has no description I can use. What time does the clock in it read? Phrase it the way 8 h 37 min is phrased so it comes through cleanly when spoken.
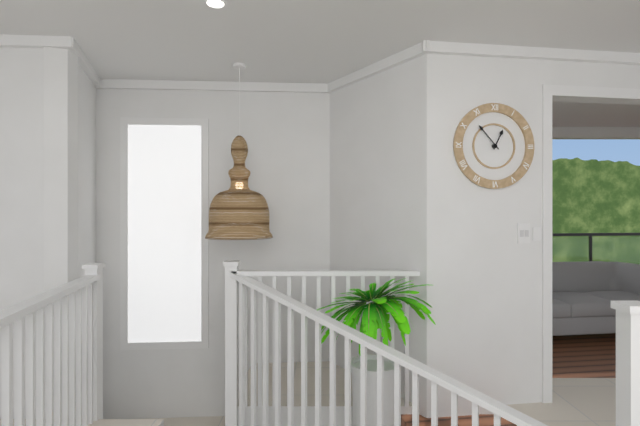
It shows 12 h 53 min
